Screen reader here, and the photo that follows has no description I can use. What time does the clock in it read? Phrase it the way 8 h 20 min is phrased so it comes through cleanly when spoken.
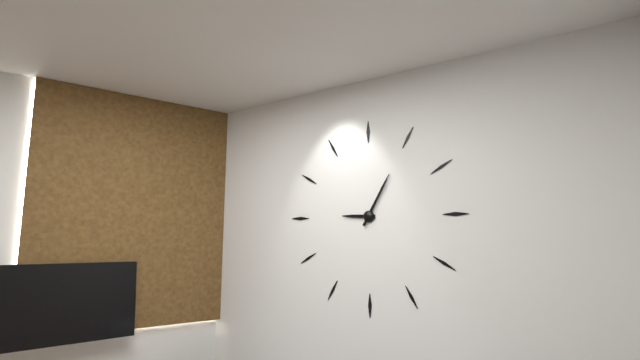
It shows 9 h 05 min
